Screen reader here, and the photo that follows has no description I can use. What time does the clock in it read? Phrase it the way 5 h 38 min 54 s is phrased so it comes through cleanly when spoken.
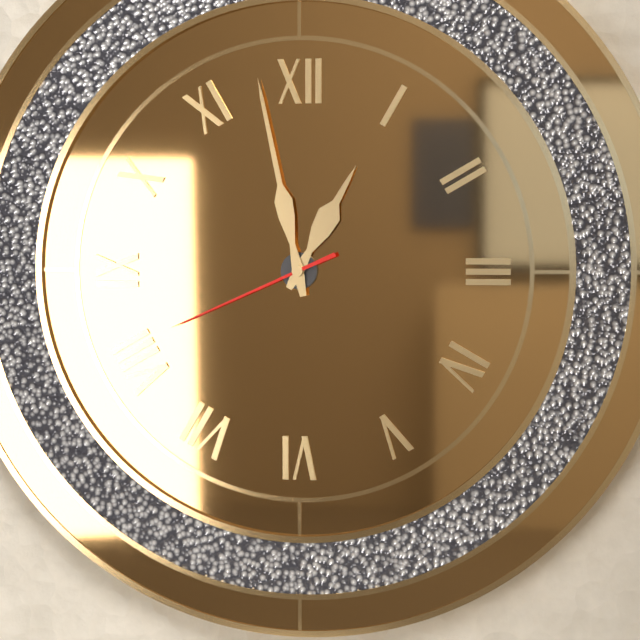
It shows 12 h 58 min 41 s
